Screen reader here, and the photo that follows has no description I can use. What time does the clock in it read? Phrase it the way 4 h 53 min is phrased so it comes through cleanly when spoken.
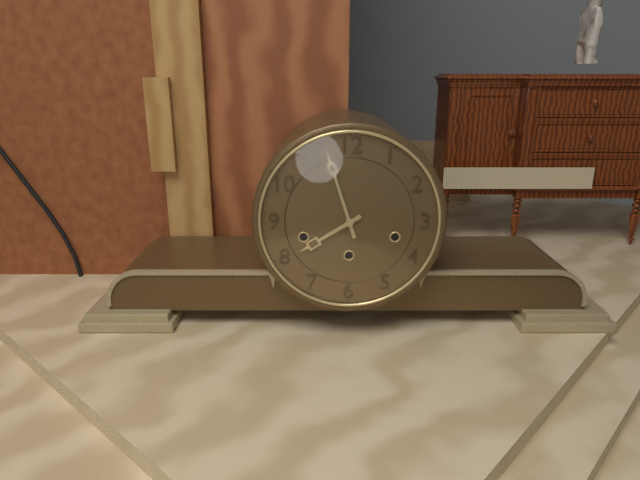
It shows 7 h 57 min
